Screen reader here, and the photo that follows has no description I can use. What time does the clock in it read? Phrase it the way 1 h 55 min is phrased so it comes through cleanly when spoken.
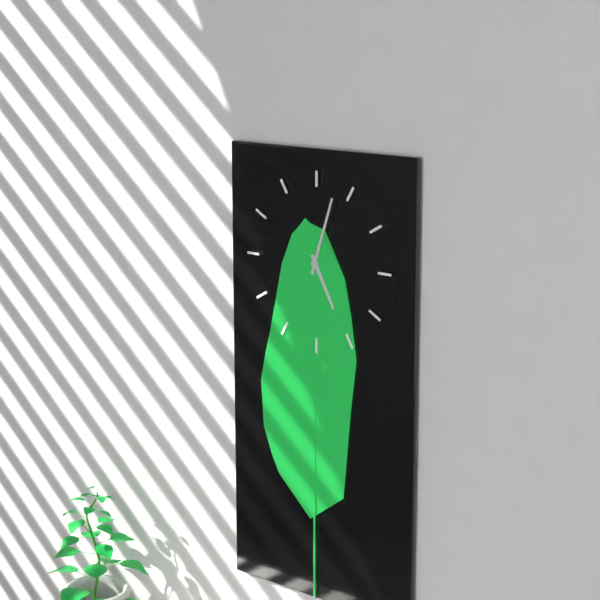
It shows 5 h 03 min
